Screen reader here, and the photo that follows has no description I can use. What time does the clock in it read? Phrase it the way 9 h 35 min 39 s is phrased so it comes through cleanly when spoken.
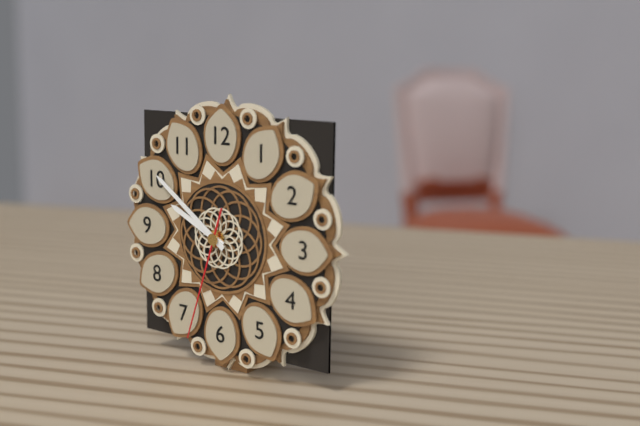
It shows 9 h 51 min 33 s
